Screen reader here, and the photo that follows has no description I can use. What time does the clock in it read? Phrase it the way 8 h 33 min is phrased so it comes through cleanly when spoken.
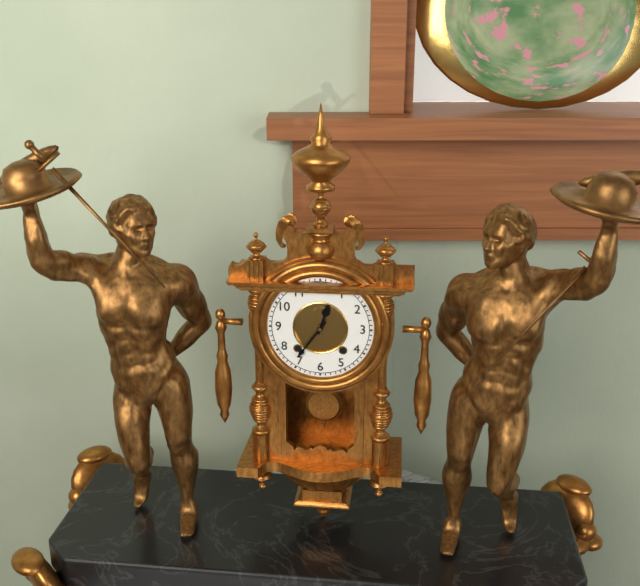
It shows 12 h 36 min
